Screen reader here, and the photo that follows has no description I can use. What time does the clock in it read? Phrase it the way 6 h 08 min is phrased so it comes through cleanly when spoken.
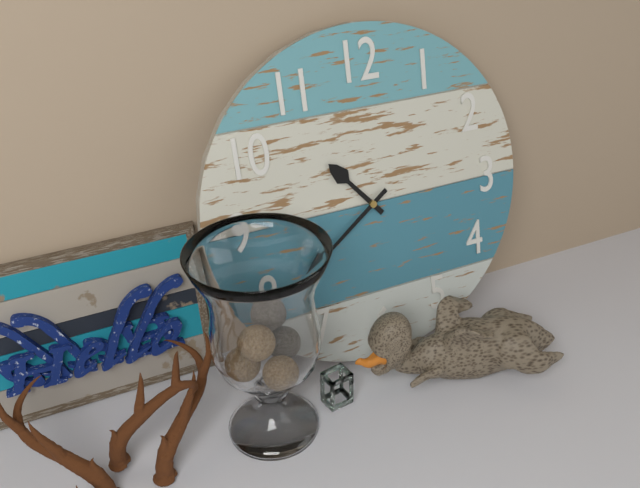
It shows 10 h 39 min
